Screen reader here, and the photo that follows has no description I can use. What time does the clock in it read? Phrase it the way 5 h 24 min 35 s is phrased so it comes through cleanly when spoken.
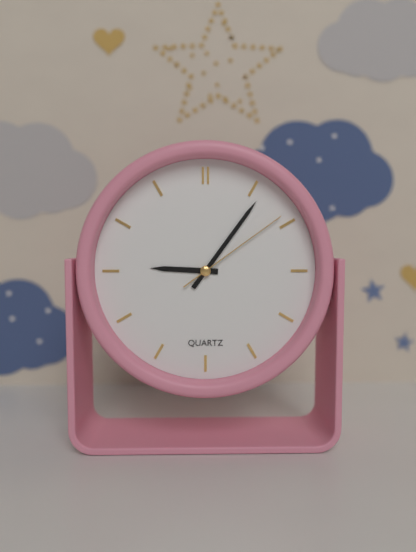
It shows 9 h 06 min 09 s
